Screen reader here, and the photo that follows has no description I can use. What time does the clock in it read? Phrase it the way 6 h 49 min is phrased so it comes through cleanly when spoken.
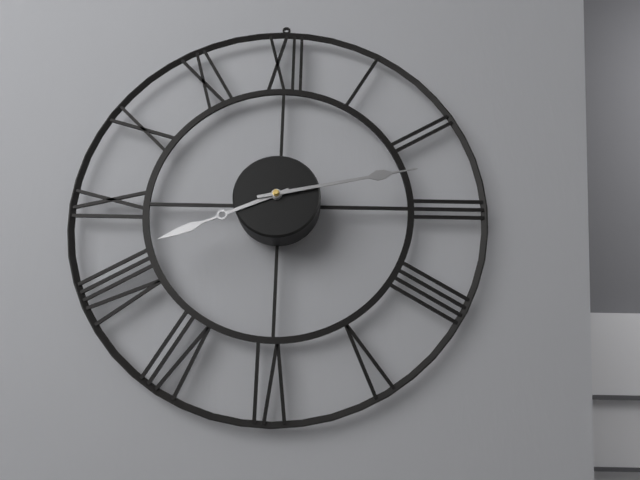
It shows 8 h 13 min
